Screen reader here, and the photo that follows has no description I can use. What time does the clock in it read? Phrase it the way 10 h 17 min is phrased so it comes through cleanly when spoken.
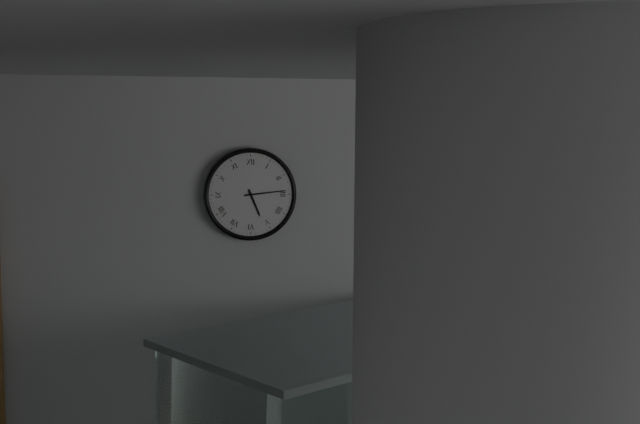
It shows 5 h 14 min
